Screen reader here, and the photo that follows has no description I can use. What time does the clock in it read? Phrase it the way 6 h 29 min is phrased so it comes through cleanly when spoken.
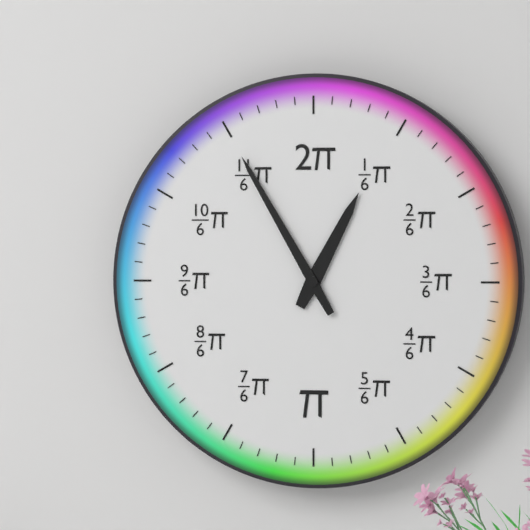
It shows 12 h 55 min
